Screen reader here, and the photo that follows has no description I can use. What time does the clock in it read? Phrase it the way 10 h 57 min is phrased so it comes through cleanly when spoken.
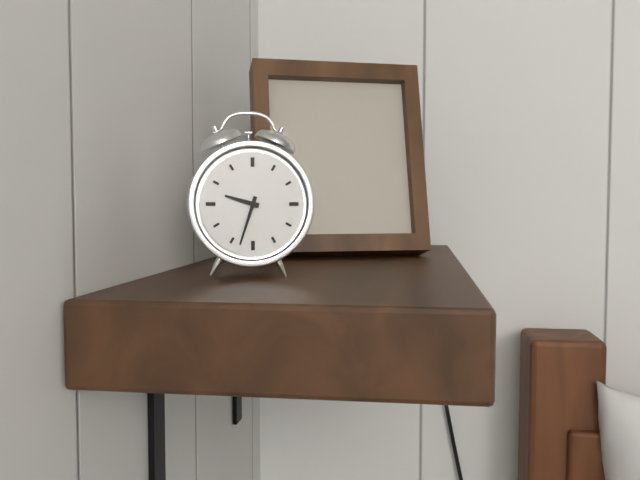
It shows 9 h 33 min
